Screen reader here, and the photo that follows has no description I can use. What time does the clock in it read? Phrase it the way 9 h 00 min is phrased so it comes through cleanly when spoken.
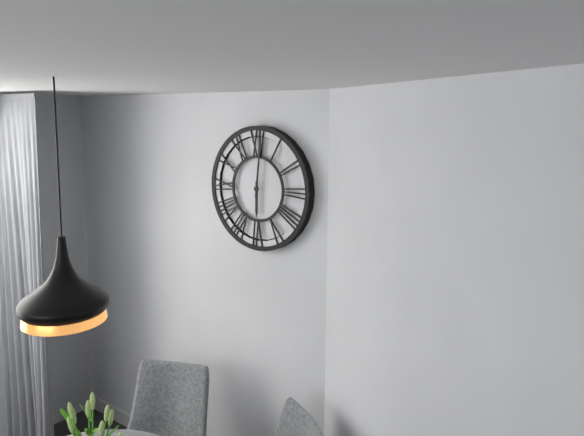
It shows 6 h 01 min
